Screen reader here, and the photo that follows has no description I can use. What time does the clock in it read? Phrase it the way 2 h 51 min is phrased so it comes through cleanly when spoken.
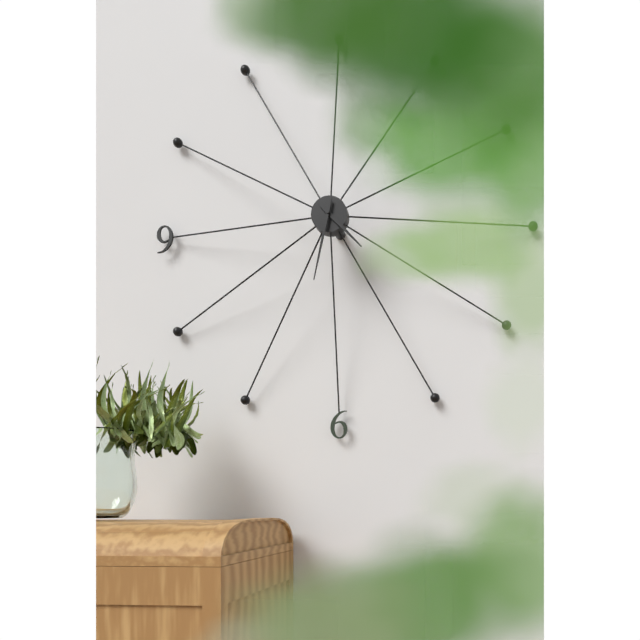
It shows 4 h 32 min
